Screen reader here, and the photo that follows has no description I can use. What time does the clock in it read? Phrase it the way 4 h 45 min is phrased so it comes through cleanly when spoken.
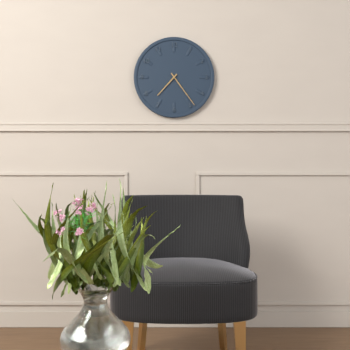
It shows 7 h 24 min
